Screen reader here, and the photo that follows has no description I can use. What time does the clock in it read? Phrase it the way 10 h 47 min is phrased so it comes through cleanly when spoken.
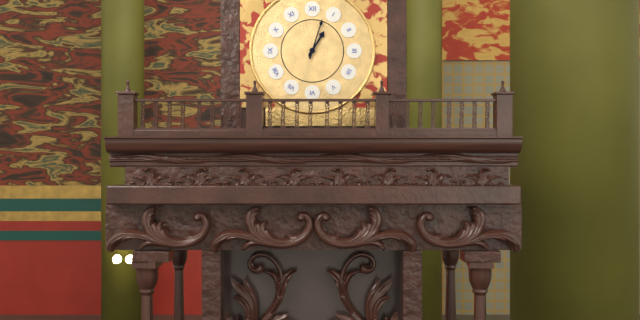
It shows 1 h 03 min
